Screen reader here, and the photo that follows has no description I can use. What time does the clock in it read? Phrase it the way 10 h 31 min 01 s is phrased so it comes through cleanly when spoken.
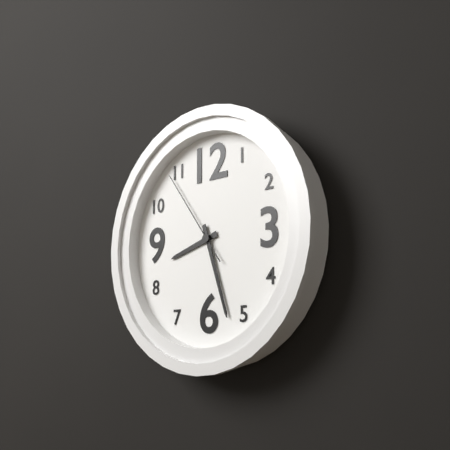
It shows 8 h 27 min 54 s
